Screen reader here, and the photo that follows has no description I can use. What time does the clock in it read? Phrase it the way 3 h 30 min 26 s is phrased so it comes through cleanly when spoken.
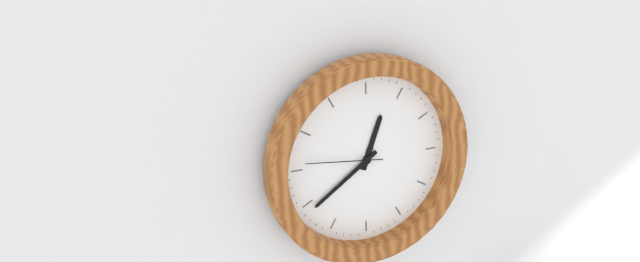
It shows 12 h 39 min 46 s
